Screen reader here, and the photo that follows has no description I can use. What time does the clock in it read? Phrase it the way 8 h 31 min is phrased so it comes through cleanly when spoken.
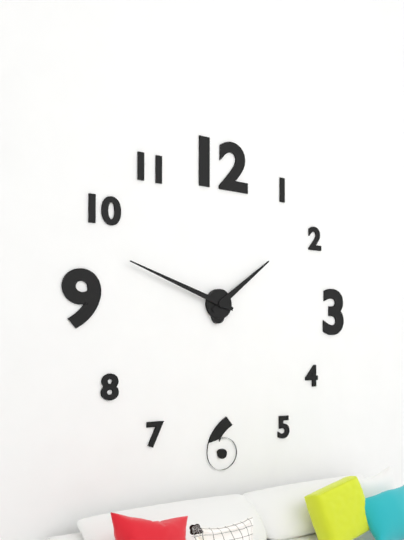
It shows 1 h 48 min
